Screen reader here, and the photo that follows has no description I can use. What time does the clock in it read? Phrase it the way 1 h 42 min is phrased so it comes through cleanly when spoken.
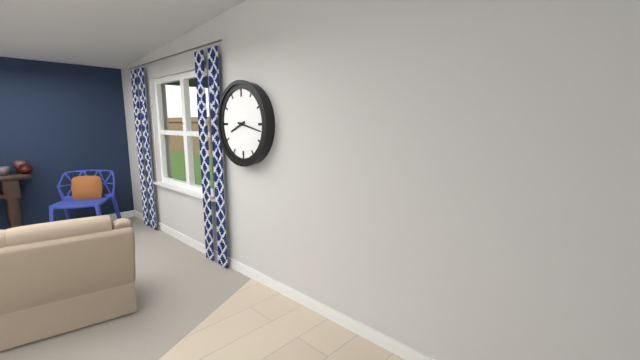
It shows 8 h 17 min
